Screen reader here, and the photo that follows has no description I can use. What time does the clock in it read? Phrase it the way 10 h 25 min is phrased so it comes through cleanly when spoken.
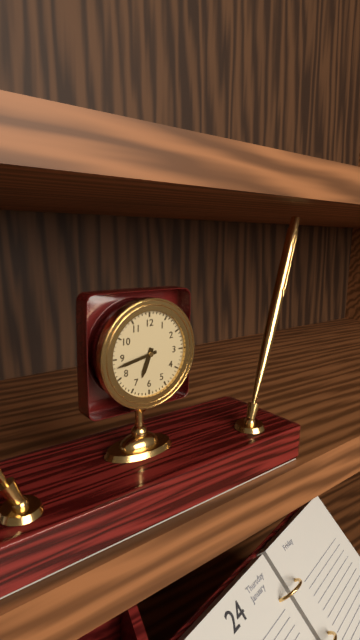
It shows 6 h 43 min
